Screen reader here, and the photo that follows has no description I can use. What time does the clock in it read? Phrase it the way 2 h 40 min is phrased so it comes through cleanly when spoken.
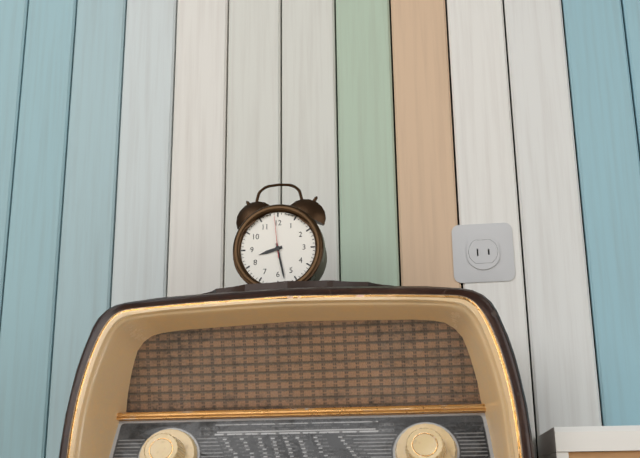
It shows 8 h 28 min
